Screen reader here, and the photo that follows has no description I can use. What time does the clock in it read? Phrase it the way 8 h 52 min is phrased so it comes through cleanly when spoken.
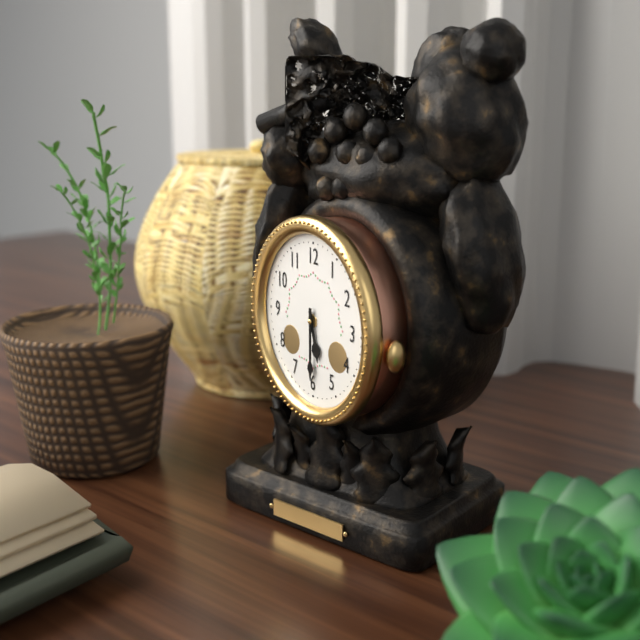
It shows 5 h 30 min
